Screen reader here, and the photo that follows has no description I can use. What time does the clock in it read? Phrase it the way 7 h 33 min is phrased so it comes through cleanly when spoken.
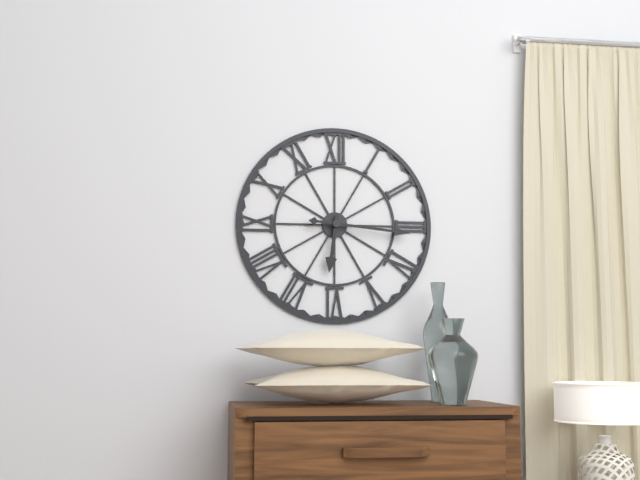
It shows 6 h 16 min
